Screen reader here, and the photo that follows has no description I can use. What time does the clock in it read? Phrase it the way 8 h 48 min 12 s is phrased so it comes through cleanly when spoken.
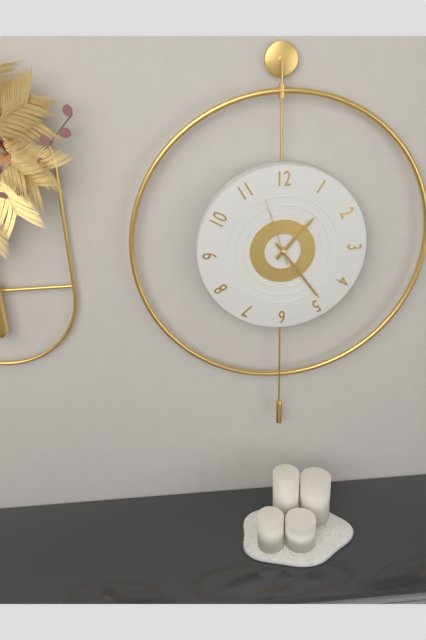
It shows 1 h 24 min 57 s
